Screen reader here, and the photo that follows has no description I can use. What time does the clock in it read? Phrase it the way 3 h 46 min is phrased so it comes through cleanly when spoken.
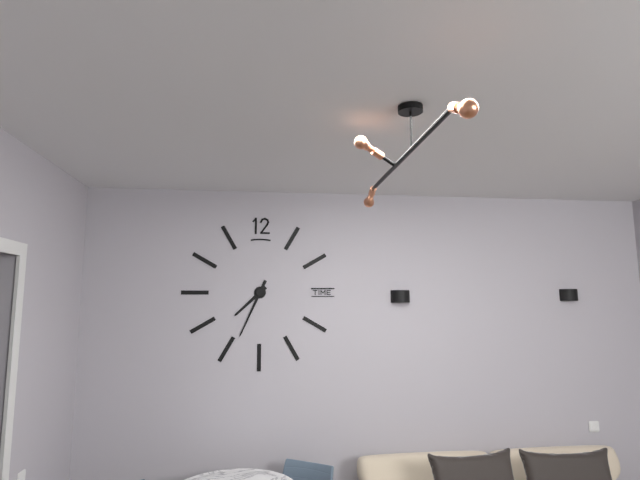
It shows 7 h 34 min
